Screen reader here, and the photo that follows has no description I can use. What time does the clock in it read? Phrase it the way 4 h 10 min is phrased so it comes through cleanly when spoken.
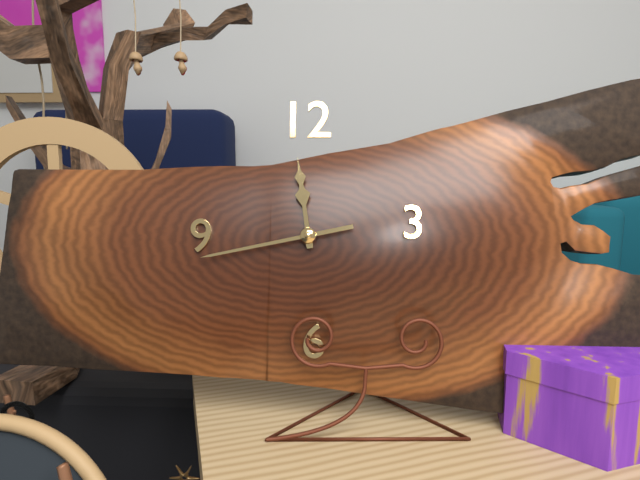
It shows 11 h 43 min
